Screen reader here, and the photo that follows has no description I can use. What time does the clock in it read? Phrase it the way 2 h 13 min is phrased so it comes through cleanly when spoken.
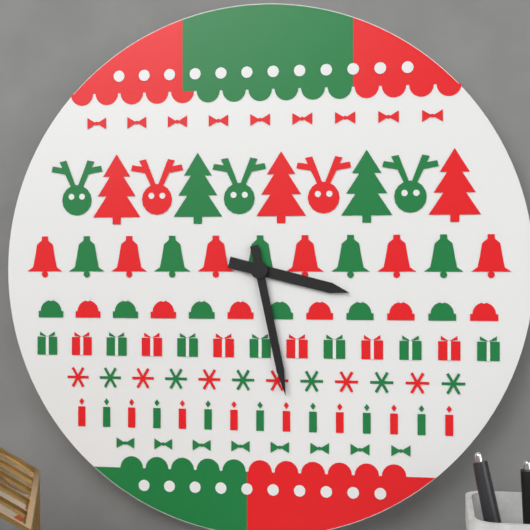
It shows 3 h 28 min
